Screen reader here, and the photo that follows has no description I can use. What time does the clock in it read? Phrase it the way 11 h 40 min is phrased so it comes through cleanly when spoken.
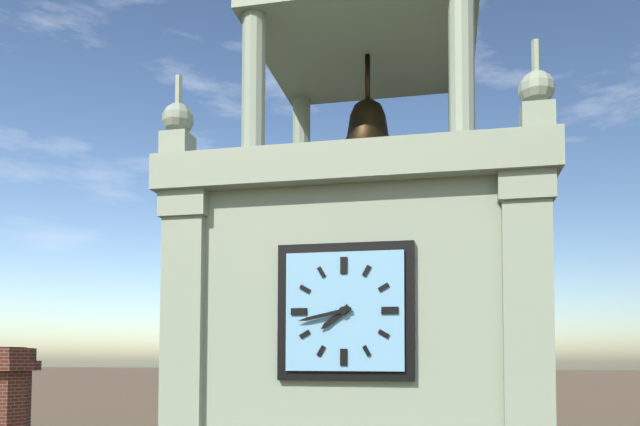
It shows 7 h 43 min
